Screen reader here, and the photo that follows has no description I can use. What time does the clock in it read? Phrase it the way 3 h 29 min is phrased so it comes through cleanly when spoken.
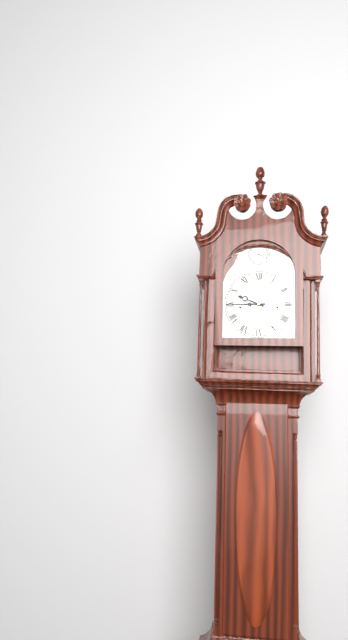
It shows 9 h 45 min
